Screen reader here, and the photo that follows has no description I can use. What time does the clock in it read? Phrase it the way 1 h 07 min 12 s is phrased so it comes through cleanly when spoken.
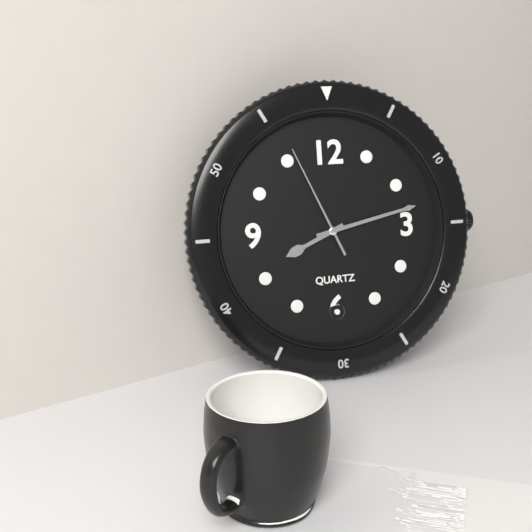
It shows 8 h 13 min 56 s
